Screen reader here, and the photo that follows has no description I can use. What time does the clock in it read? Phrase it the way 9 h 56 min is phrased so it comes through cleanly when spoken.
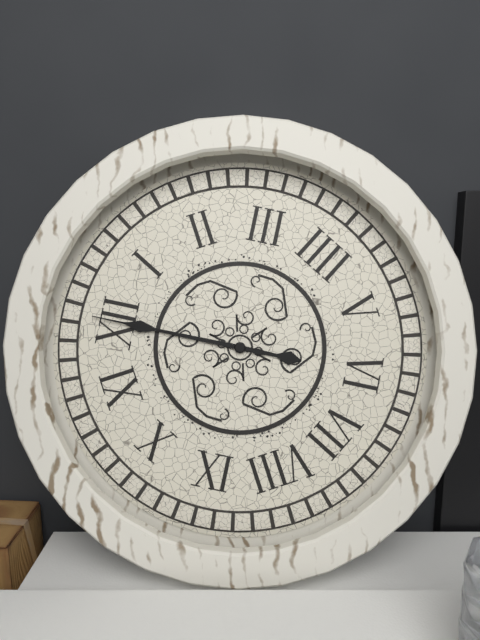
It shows 6 h 00 min
